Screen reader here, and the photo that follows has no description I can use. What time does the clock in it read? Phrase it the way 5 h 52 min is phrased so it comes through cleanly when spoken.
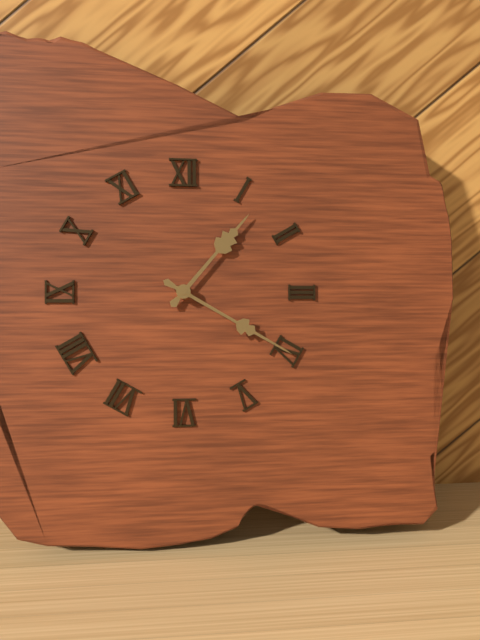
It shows 1 h 20 min
